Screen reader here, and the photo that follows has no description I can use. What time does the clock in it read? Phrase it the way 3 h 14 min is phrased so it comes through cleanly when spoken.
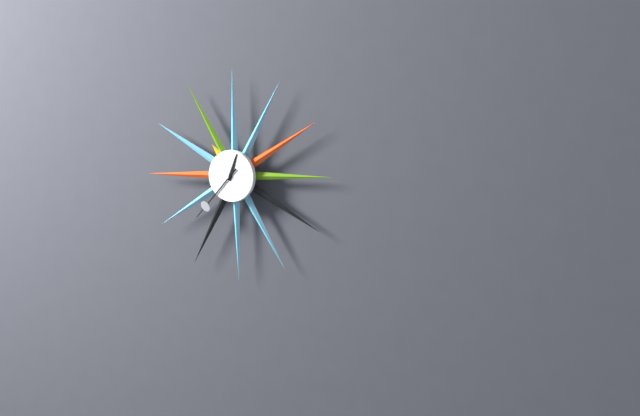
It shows 12 h 37 min
